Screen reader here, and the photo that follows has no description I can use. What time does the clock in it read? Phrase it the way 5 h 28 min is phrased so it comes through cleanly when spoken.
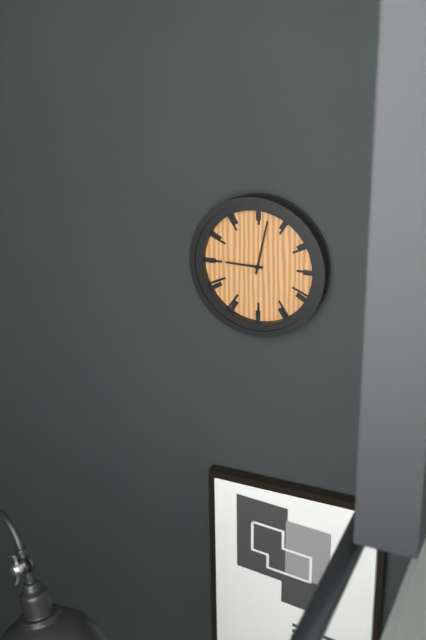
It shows 9 h 02 min
